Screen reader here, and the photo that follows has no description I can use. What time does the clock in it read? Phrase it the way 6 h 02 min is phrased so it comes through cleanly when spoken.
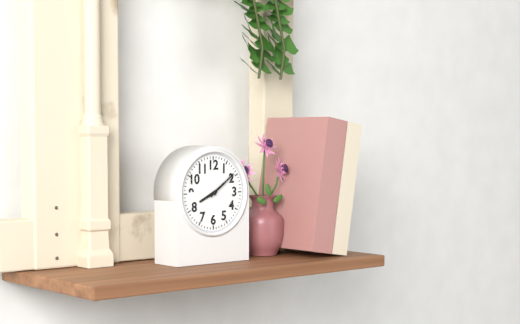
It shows 8 h 09 min
